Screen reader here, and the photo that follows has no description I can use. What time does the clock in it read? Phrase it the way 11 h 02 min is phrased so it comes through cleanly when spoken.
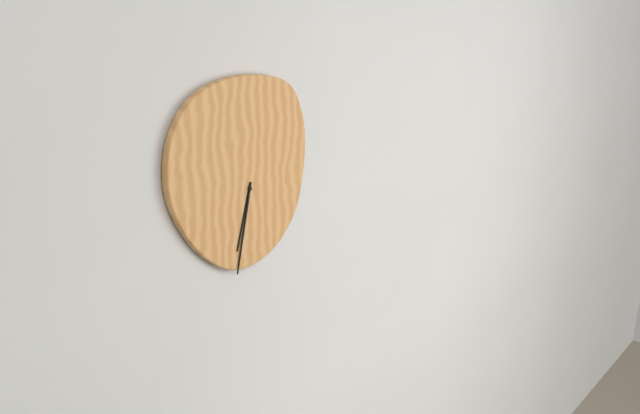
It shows 6 h 32 min
